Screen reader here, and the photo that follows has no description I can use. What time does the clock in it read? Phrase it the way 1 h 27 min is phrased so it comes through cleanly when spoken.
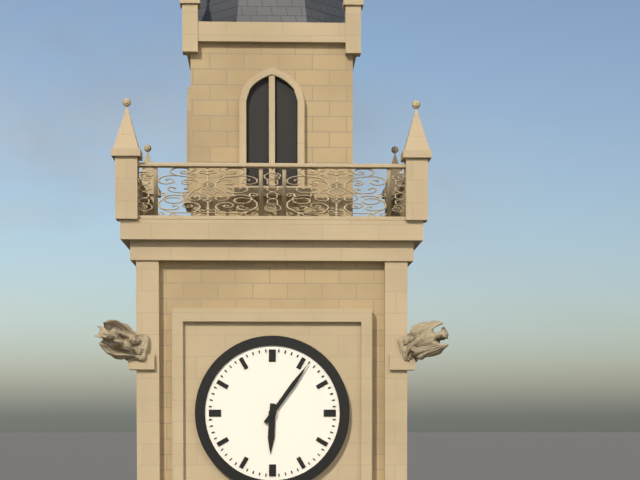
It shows 6 h 06 min
